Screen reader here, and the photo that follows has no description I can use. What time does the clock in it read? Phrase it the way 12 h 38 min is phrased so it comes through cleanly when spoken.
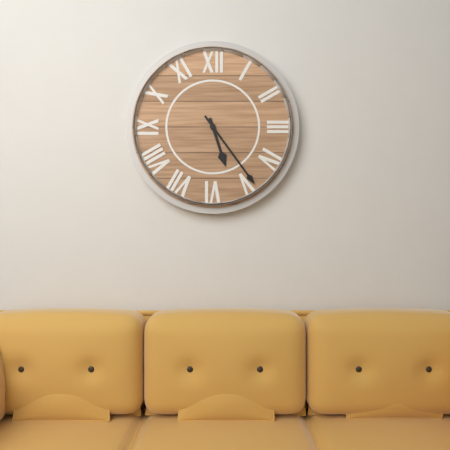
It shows 5 h 24 min
